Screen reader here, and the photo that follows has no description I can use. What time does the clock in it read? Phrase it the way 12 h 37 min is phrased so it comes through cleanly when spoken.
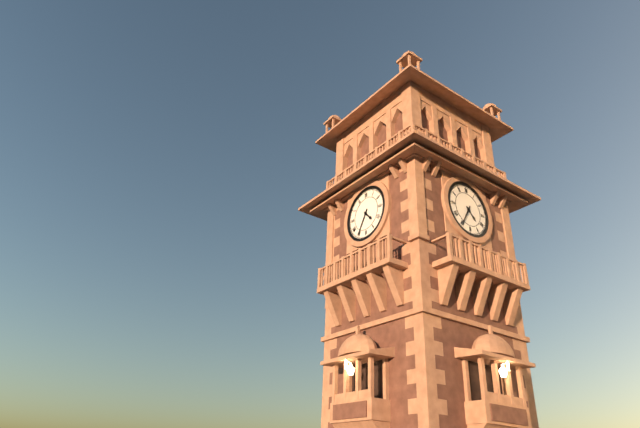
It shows 4 h 35 min
